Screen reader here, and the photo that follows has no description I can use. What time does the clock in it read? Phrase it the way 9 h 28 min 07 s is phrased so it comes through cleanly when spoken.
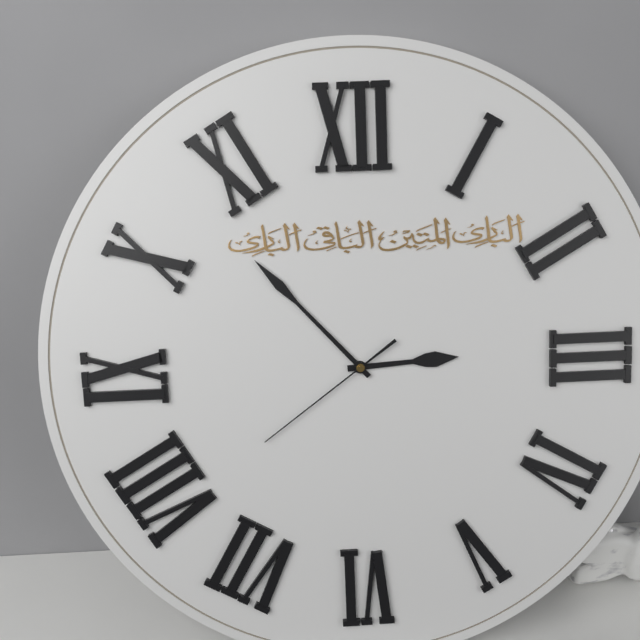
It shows 2 h 53 min 39 s
